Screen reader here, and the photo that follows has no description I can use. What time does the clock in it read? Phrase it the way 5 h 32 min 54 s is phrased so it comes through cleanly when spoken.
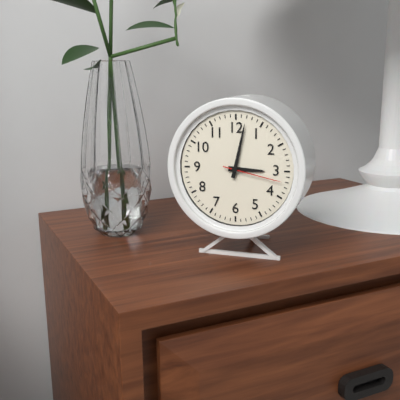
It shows 3 h 02 min 17 s
